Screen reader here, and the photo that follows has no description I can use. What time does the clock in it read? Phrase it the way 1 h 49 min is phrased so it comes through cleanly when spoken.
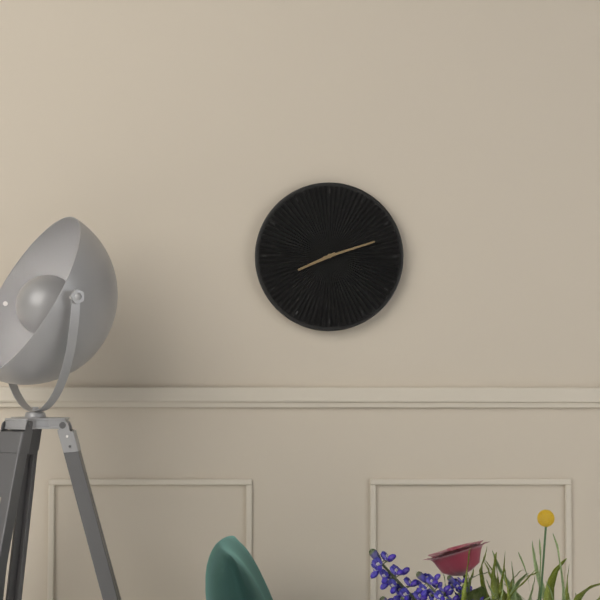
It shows 8 h 12 min
